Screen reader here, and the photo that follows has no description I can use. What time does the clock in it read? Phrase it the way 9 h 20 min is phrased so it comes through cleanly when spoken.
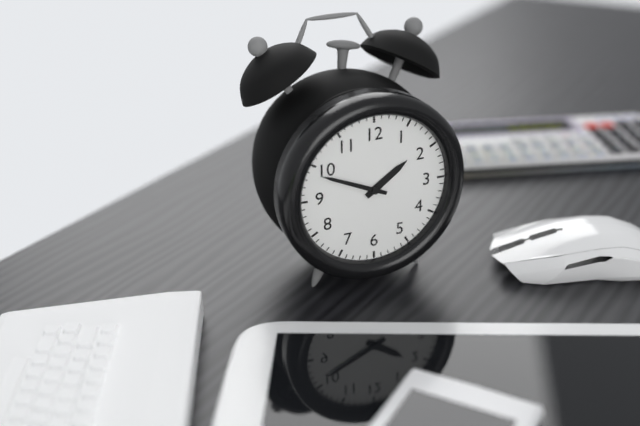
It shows 1 h 49 min
